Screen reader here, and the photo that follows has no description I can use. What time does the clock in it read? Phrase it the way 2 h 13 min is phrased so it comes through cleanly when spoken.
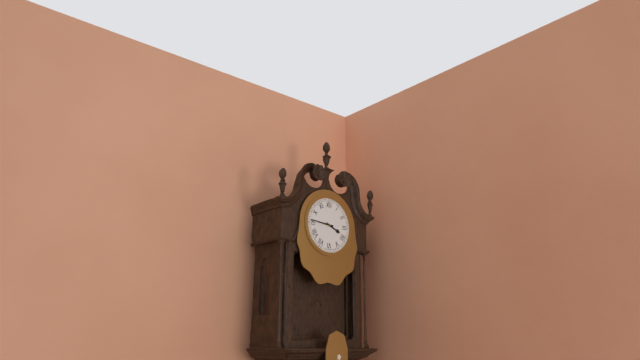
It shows 3 h 46 min
